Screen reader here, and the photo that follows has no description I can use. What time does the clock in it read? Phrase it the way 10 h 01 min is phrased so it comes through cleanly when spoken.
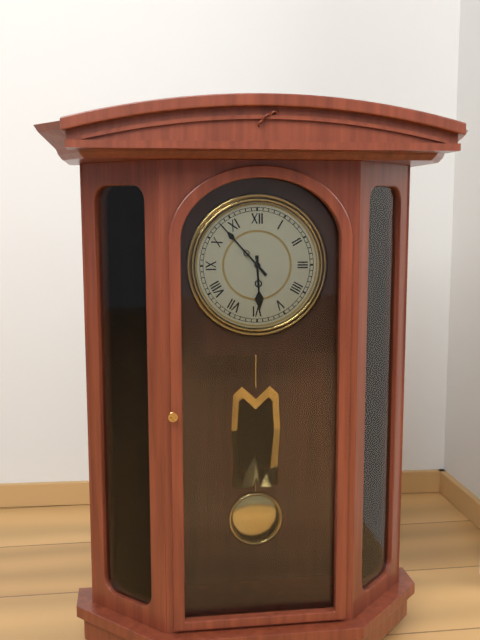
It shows 5 h 53 min
